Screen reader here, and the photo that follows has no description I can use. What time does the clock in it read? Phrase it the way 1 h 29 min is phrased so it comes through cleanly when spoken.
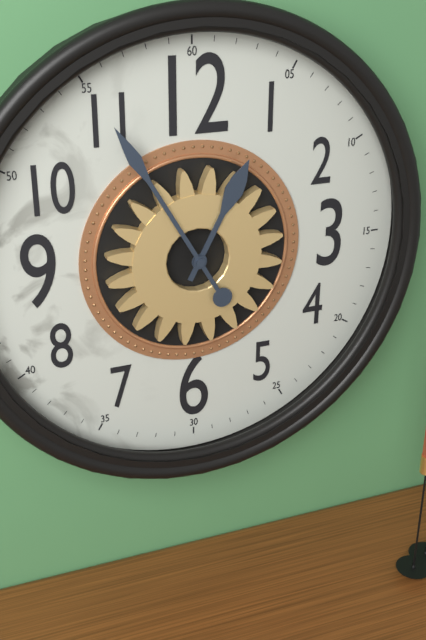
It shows 12 h 55 min
